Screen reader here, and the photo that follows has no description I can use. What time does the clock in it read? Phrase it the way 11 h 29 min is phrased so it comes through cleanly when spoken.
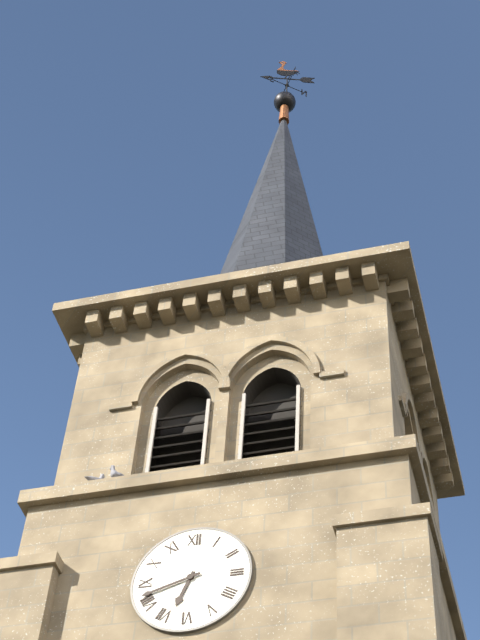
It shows 6 h 42 min
